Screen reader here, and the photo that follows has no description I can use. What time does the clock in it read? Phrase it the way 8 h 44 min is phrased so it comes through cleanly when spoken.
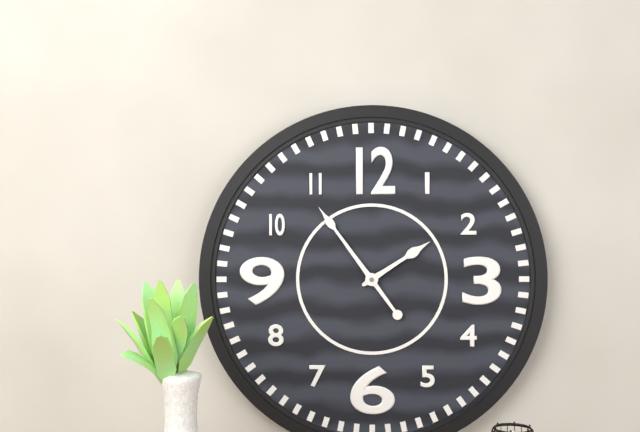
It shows 1 h 54 min
